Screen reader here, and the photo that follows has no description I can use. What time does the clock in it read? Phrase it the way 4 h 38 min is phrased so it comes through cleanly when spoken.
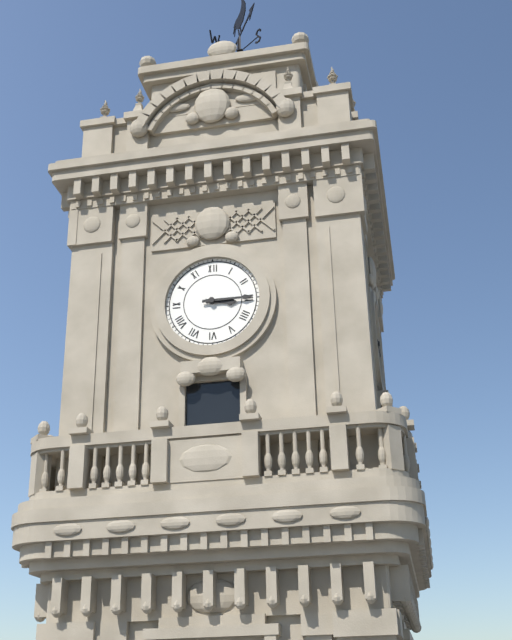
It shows 3 h 15 min
